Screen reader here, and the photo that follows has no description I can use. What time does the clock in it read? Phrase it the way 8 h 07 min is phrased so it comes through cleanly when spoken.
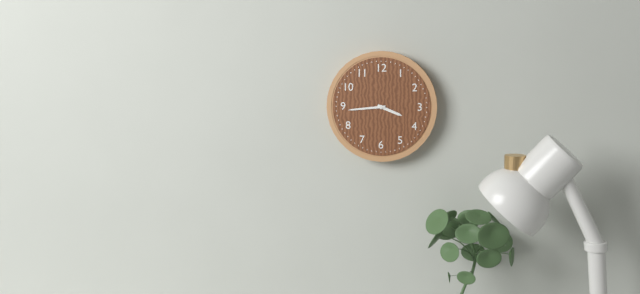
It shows 3 h 44 min
